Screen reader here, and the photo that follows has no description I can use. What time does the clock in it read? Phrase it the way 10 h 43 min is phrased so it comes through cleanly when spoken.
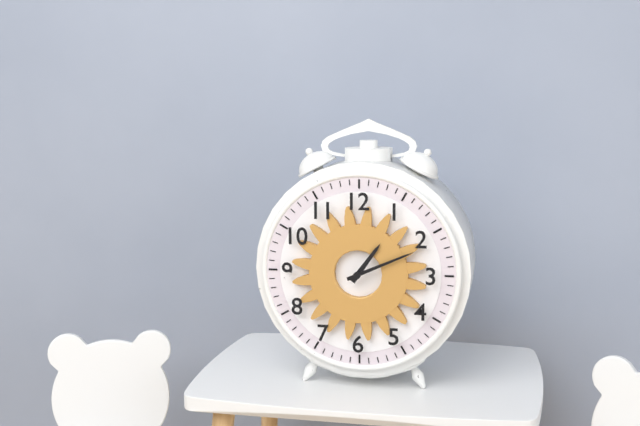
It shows 1 h 11 min
